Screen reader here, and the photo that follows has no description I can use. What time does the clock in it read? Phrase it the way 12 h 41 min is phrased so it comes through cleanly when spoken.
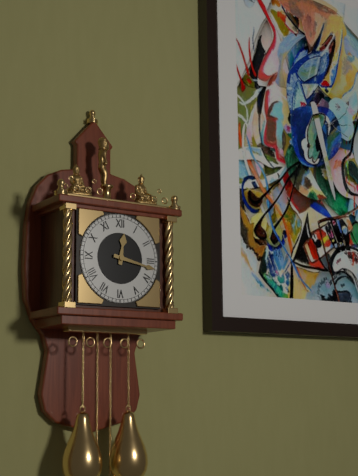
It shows 12 h 17 min
